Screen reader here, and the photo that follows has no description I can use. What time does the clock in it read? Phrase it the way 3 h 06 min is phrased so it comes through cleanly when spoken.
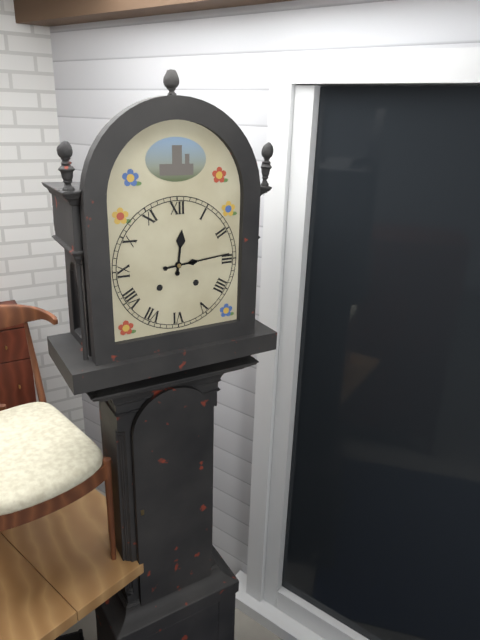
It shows 12 h 14 min
